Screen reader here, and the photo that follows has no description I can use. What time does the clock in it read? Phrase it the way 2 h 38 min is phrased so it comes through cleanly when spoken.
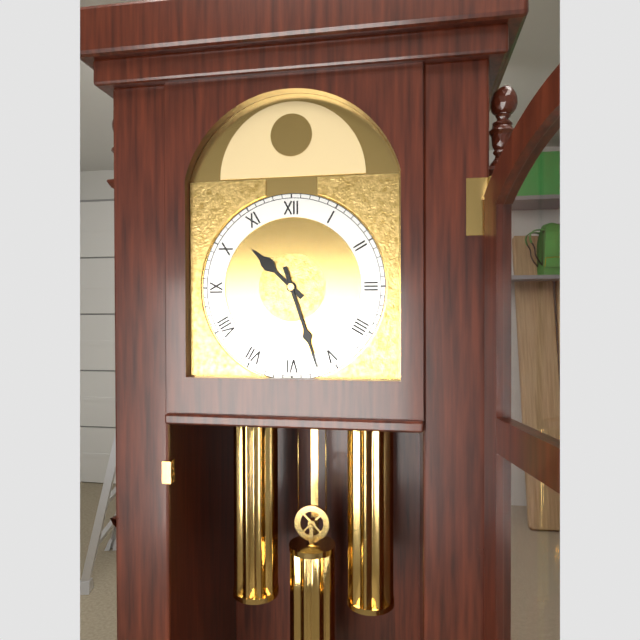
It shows 10 h 27 min
